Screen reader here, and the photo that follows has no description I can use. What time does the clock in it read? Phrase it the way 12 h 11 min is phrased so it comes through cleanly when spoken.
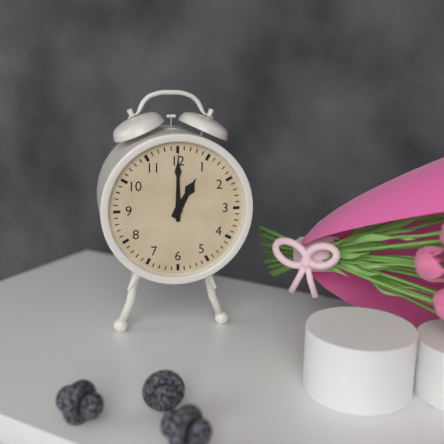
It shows 1 h 00 min
